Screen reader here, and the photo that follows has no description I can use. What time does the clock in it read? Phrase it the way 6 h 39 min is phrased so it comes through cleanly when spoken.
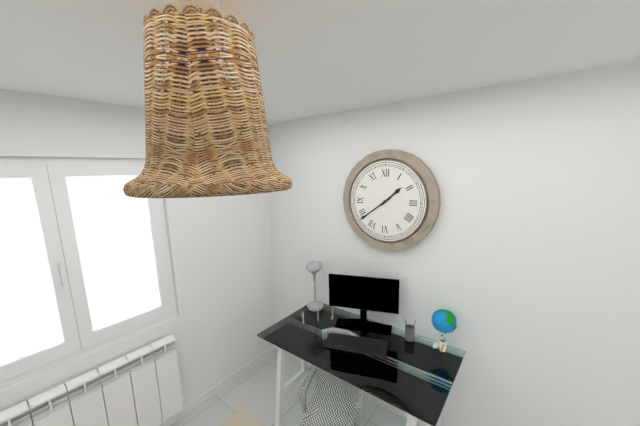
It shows 1 h 39 min
